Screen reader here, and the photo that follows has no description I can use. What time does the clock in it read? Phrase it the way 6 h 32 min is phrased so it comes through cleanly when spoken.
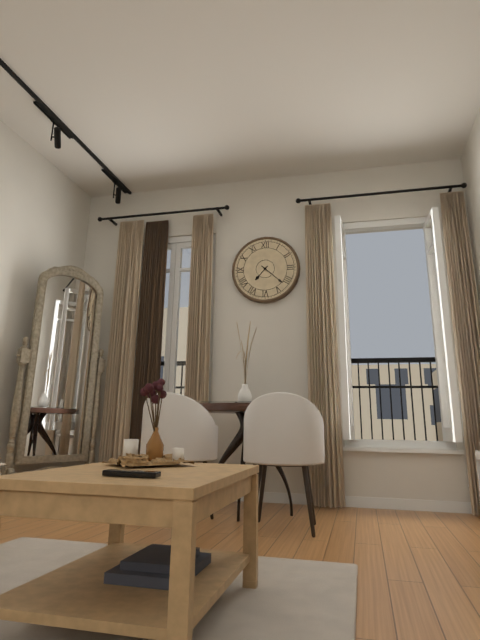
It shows 7 h 22 min
